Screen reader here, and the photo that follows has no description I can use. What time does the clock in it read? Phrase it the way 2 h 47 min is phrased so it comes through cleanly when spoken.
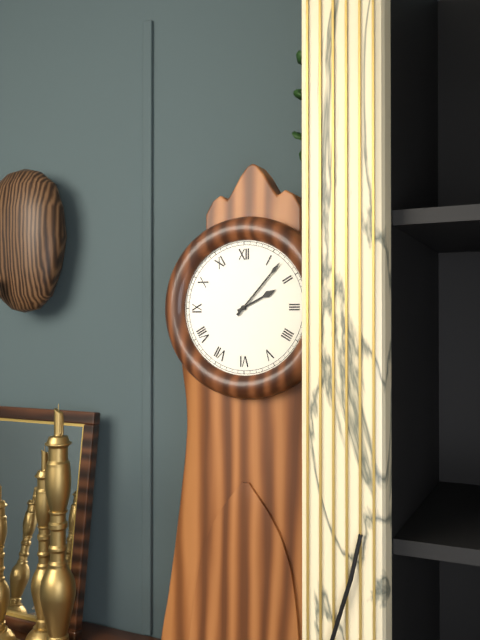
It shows 2 h 07 min
